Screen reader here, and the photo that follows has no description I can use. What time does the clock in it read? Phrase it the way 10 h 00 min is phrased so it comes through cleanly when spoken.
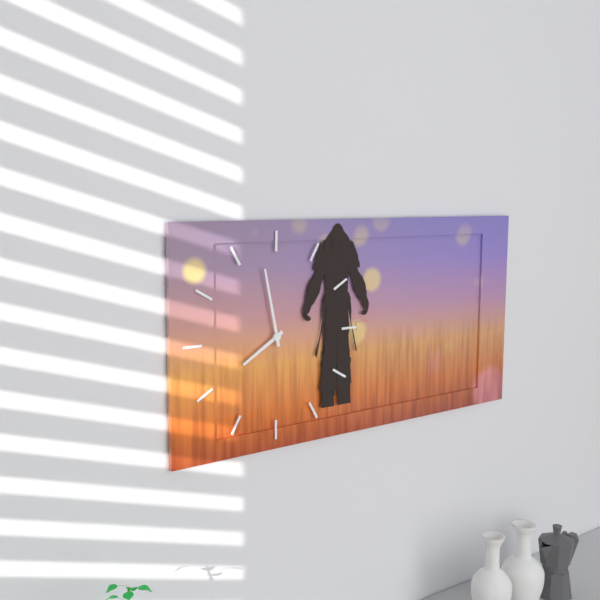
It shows 7 h 58 min
